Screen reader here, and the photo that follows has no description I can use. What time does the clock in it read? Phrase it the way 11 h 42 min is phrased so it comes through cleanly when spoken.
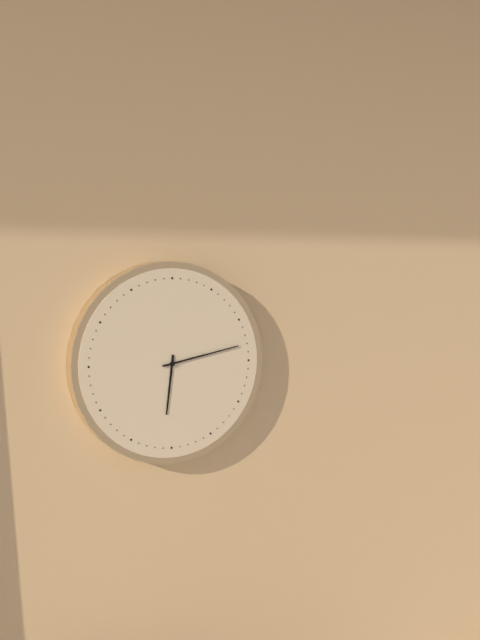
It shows 6 h 13 min
